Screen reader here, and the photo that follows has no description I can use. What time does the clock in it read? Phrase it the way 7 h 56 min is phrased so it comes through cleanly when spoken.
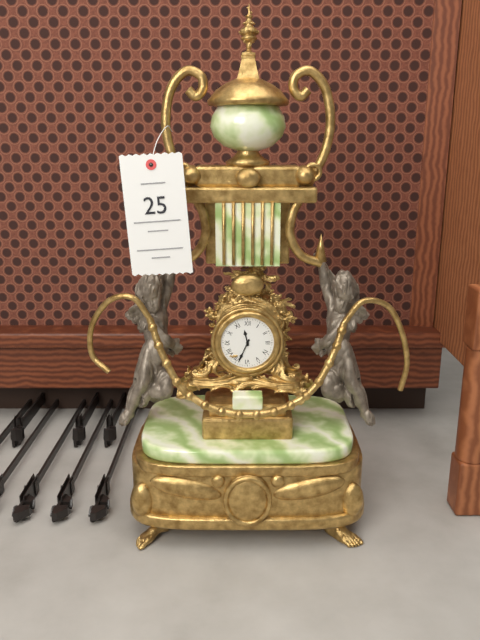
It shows 11 h 34 min
